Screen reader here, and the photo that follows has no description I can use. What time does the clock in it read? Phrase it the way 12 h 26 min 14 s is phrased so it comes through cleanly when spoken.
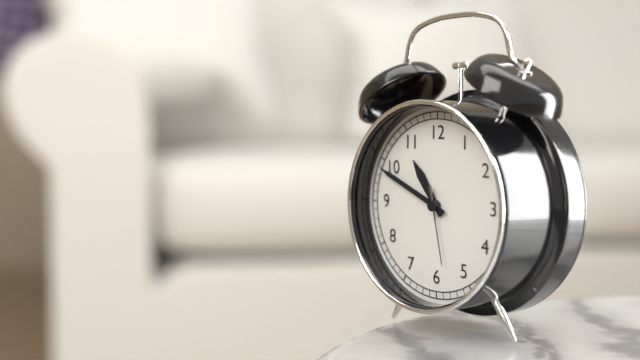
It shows 10 h 49 min 28 s
